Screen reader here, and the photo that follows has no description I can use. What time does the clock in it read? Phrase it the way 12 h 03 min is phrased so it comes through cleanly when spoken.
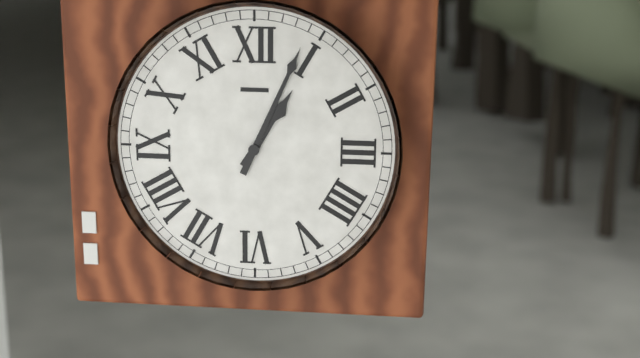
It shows 1 h 04 min
